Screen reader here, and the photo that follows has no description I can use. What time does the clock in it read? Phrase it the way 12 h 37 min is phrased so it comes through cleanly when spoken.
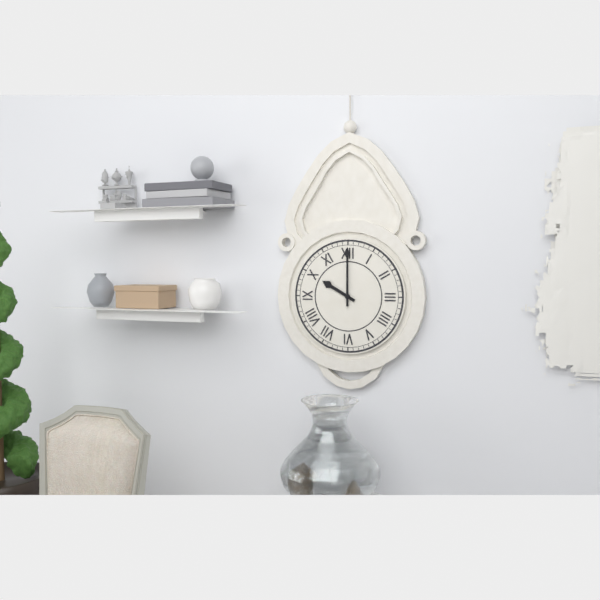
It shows 10 h 00 min
